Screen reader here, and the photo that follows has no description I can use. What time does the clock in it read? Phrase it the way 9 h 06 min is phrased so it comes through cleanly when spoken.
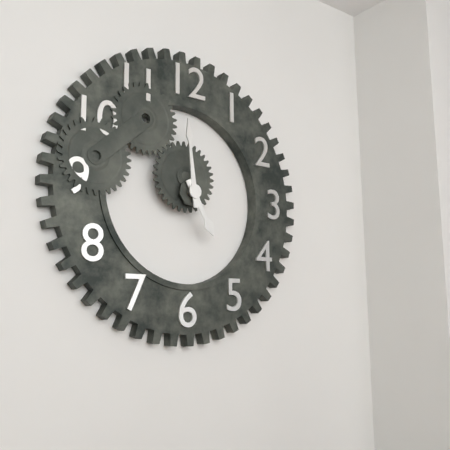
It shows 4 h 59 min
